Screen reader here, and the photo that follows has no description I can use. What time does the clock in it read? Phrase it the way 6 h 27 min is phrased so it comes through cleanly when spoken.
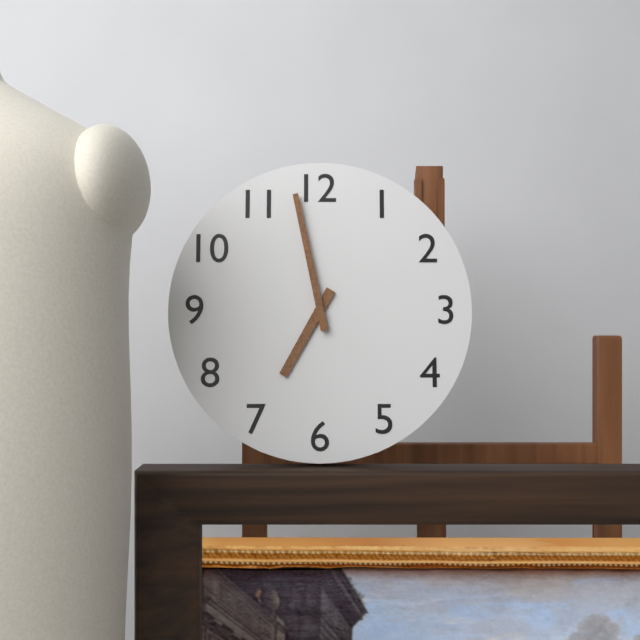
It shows 6 h 58 min
